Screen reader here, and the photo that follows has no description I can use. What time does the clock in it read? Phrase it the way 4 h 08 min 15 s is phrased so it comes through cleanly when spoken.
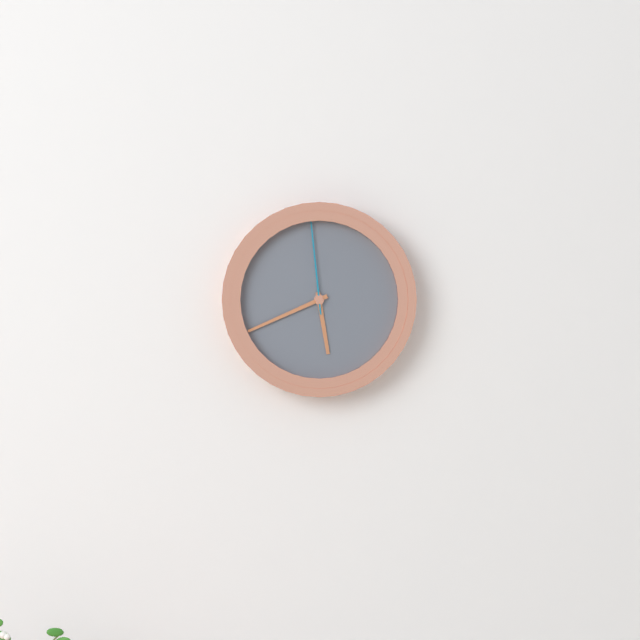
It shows 5 h 41 min 59 s
